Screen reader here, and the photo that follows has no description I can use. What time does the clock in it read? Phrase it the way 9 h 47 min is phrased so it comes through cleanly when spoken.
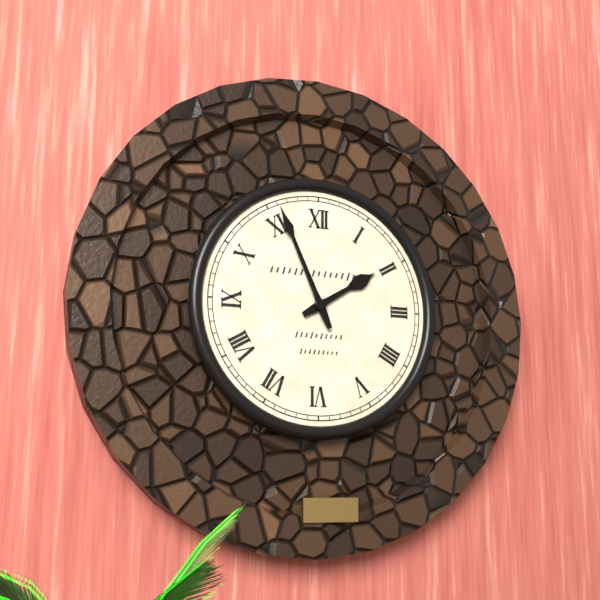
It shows 1 h 56 min
